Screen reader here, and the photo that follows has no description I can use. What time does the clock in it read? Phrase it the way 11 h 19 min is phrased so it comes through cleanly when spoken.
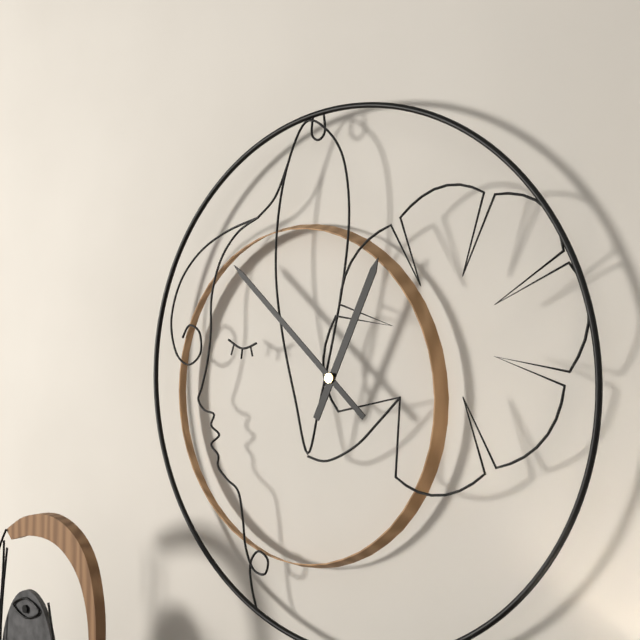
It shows 12 h 52 min
